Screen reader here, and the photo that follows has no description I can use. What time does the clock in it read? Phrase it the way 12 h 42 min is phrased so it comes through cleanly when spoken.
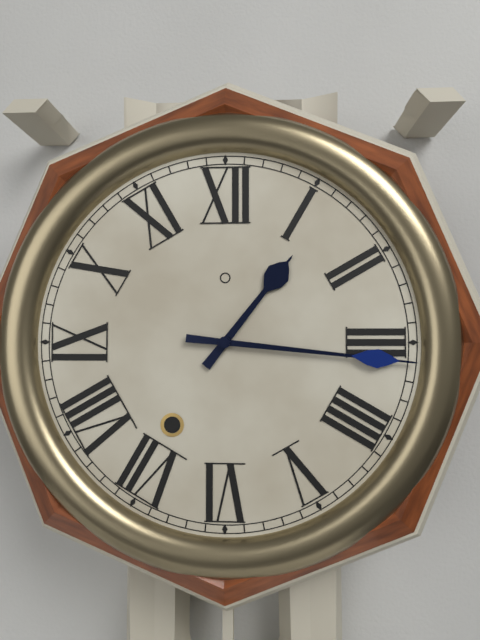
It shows 1 h 16 min
